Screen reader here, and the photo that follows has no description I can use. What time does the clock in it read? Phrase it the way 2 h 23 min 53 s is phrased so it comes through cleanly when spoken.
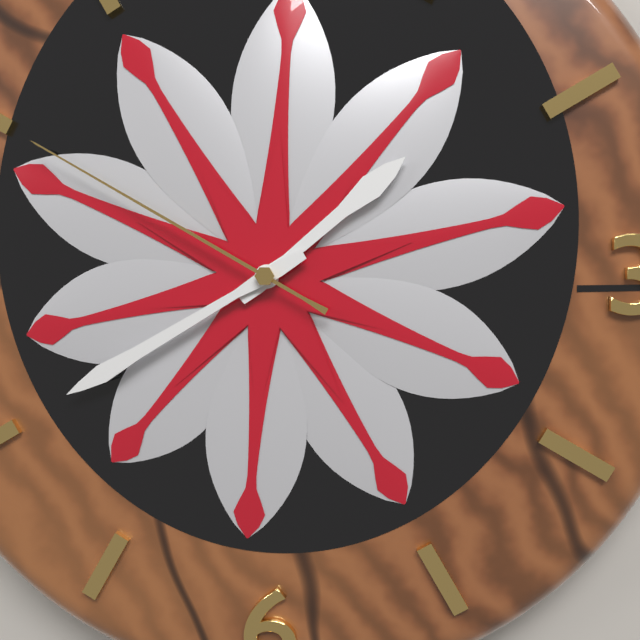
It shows 1 h 40 min 50 s
